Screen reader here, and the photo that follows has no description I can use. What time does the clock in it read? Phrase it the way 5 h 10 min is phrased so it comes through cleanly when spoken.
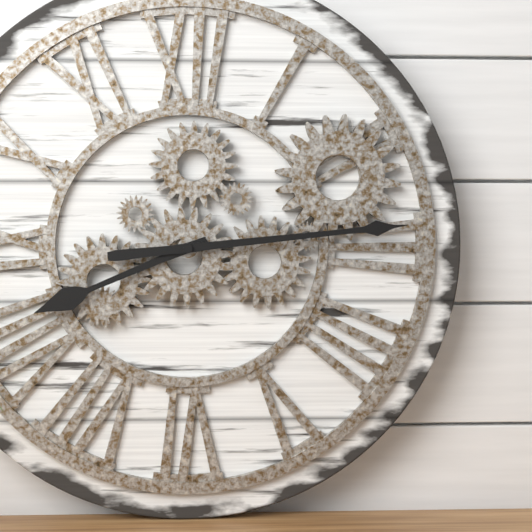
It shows 8 h 14 min
